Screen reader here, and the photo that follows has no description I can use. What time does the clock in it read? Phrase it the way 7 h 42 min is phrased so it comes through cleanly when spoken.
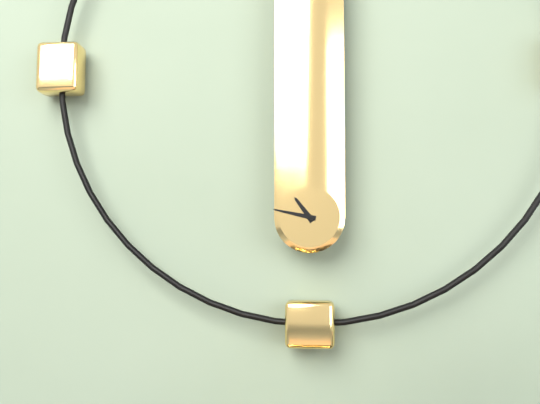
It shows 10 h 47 min
